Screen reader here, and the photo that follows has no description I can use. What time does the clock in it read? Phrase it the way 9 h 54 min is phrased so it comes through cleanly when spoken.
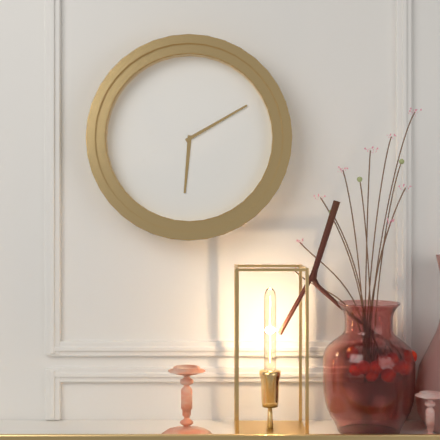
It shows 6 h 10 min
